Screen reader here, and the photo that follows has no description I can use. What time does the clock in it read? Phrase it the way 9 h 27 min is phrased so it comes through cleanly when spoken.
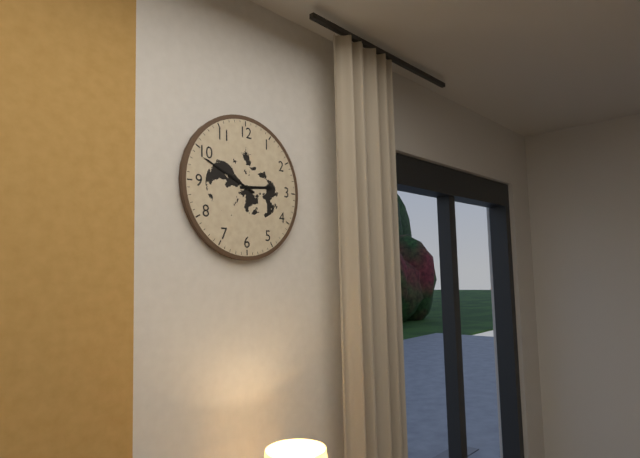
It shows 2 h 49 min
